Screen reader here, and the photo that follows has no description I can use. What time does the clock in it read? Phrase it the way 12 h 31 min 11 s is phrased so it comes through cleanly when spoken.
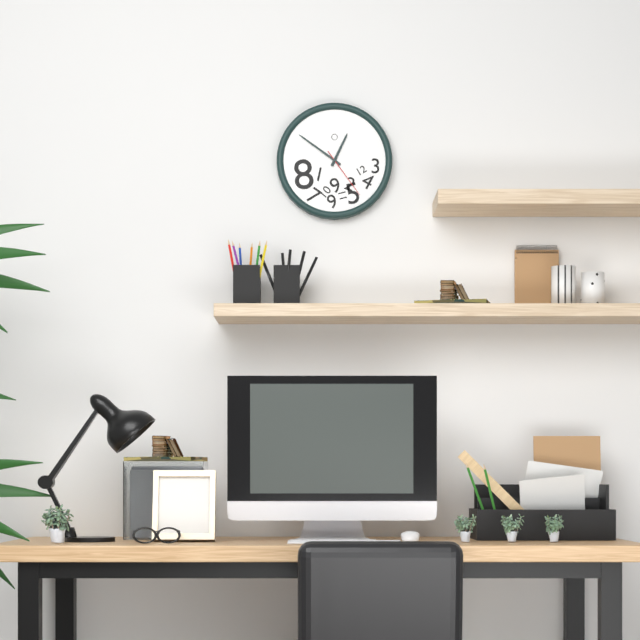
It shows 12 h 51 min 24 s
